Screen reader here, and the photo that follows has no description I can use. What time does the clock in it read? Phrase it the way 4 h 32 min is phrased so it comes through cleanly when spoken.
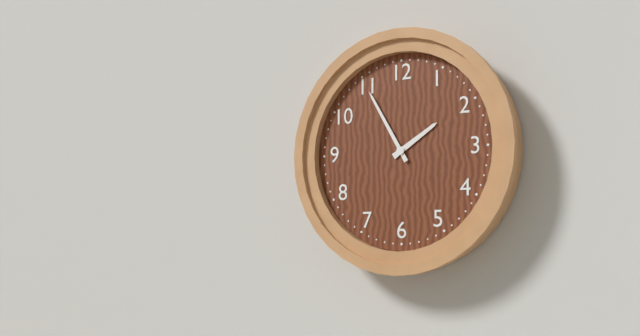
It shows 1 h 55 min
